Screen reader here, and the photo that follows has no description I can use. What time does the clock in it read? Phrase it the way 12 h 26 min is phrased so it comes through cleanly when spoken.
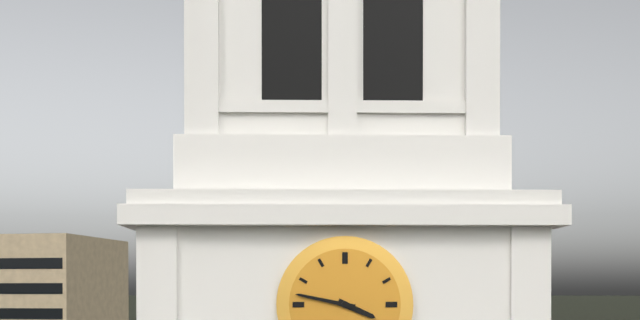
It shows 3 h 47 min
